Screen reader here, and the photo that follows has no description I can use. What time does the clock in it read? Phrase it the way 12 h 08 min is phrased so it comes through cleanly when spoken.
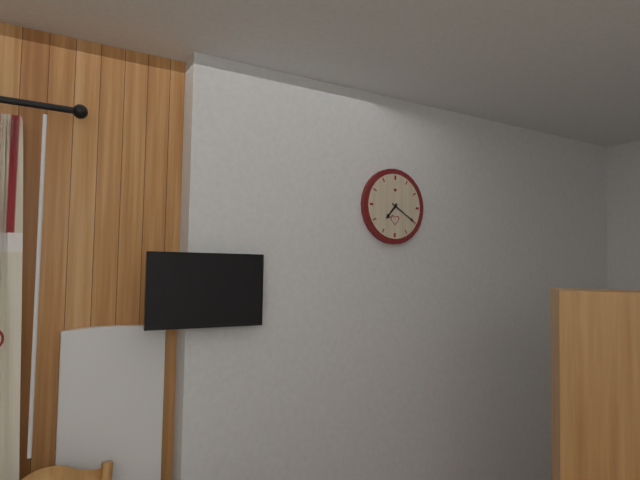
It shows 7 h 20 min
